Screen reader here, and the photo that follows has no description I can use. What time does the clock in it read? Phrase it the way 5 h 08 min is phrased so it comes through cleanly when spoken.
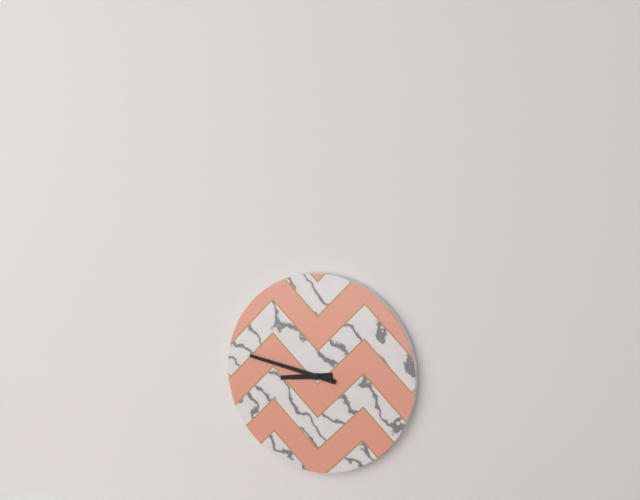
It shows 8 h 47 min
